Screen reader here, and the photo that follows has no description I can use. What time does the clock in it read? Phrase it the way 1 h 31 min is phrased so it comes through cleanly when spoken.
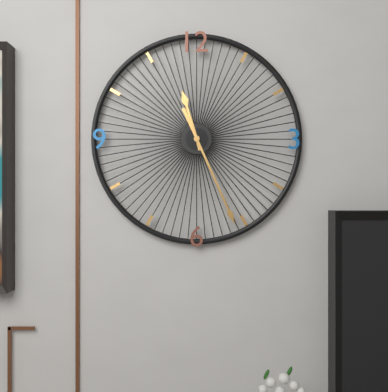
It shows 11 h 26 min
